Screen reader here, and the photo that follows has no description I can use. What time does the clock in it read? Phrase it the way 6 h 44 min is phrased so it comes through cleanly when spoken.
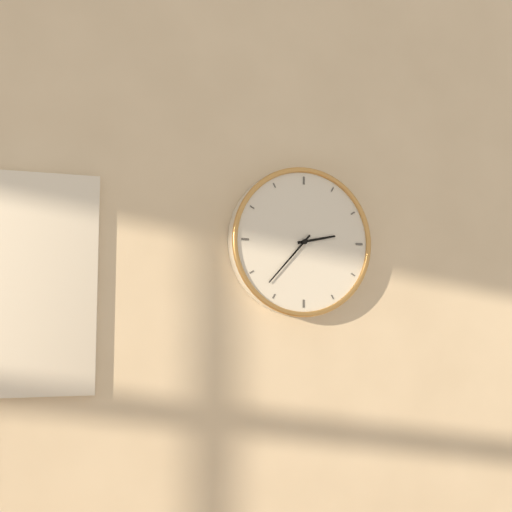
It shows 2 h 37 min
